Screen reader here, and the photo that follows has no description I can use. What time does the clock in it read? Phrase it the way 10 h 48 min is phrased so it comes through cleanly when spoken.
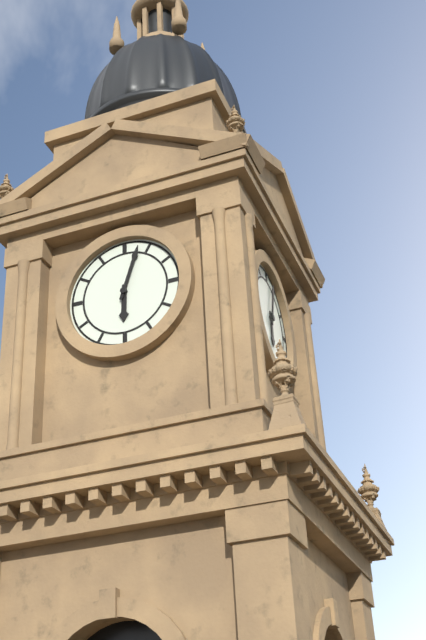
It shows 6 h 03 min
